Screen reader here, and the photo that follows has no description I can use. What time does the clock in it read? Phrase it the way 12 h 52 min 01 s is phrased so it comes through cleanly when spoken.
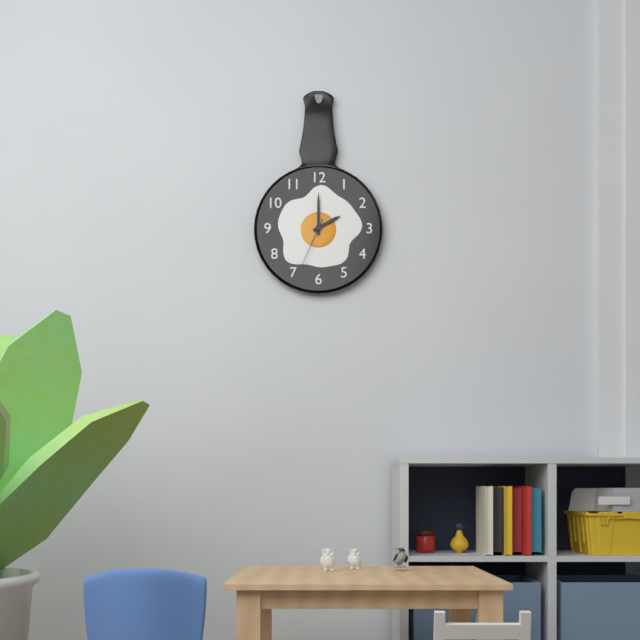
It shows 2 h 00 min 34 s
